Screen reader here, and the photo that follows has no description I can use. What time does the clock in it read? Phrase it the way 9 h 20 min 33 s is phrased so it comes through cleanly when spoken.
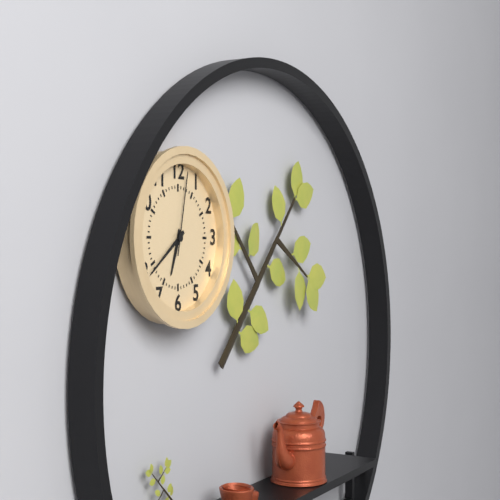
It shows 6 h 39 min 02 s
